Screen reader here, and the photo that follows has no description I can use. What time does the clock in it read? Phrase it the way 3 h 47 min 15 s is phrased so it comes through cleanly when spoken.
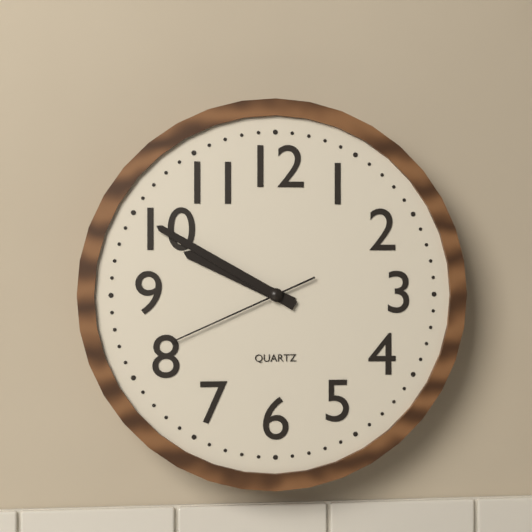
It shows 9 h 50 min 41 s
